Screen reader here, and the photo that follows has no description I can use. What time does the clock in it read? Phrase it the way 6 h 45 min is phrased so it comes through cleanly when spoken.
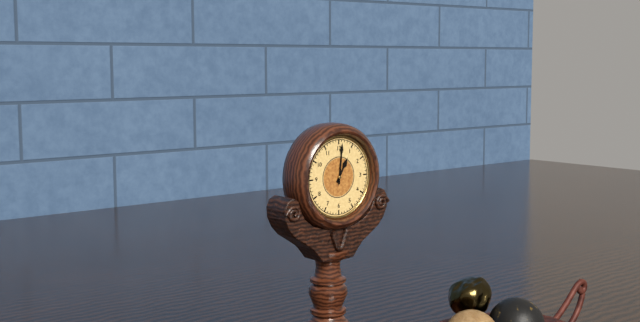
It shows 1 h 01 min
